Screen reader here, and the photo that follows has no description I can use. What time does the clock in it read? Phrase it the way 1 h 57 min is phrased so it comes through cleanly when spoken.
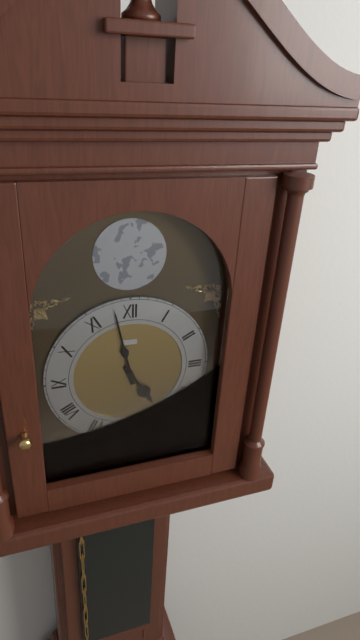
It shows 4 h 58 min
